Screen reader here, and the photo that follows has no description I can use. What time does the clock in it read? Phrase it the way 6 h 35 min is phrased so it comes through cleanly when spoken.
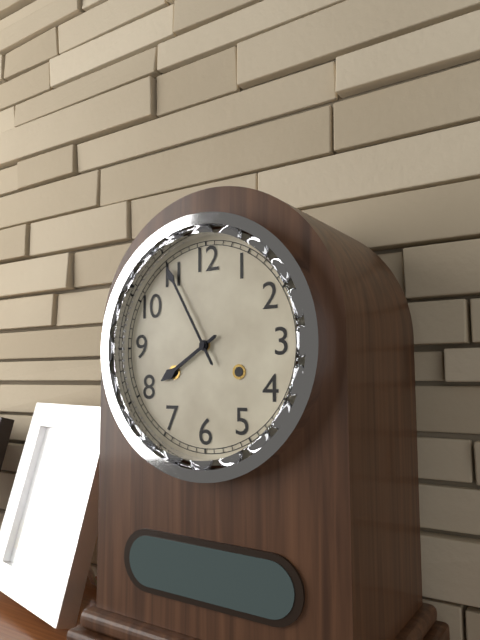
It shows 7 h 55 min
